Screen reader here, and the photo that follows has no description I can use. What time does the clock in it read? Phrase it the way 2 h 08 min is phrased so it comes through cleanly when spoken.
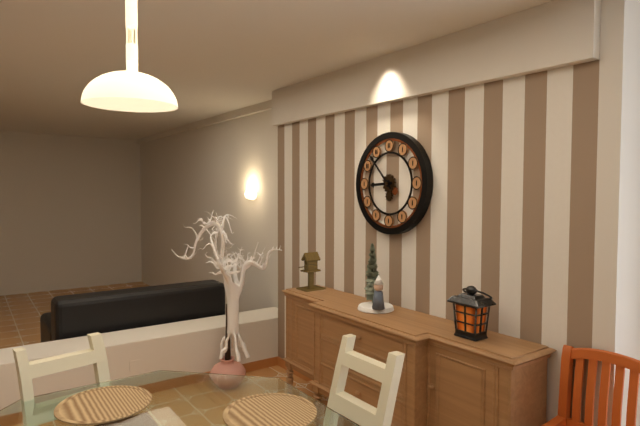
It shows 8 h 53 min
